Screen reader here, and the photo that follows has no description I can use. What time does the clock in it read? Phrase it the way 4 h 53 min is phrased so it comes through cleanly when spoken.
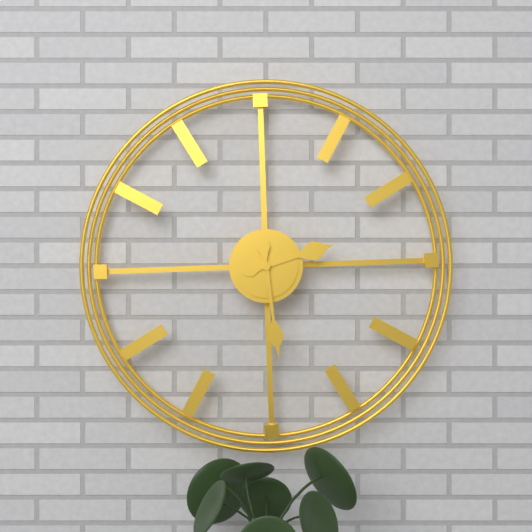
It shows 2 h 29 min
